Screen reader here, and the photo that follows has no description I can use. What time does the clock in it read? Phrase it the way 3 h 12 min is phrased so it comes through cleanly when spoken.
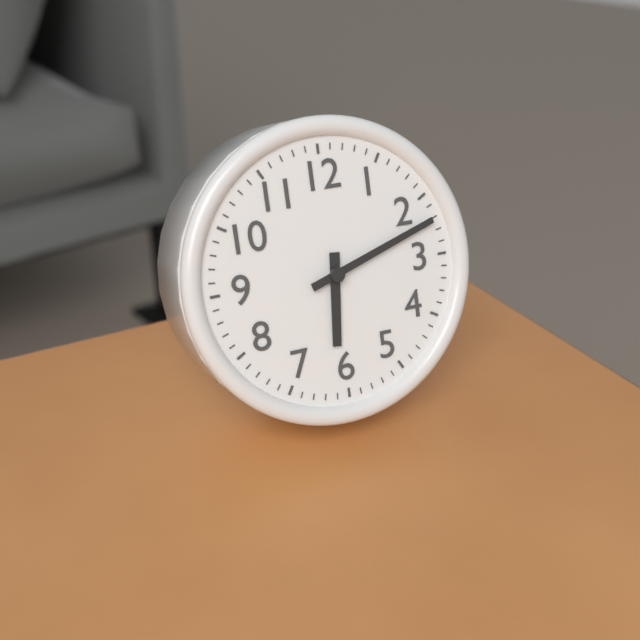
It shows 6 h 12 min
